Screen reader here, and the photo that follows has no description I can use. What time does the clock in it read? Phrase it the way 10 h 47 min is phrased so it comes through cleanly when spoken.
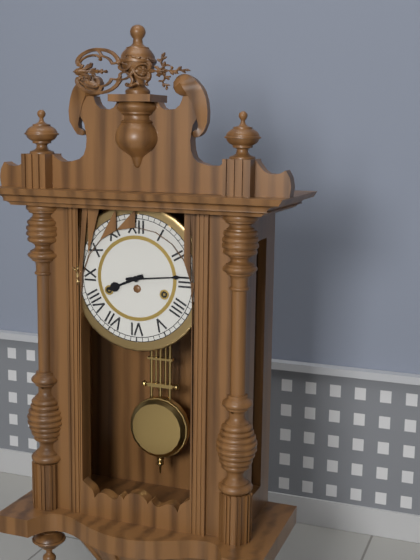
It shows 8 h 14 min
